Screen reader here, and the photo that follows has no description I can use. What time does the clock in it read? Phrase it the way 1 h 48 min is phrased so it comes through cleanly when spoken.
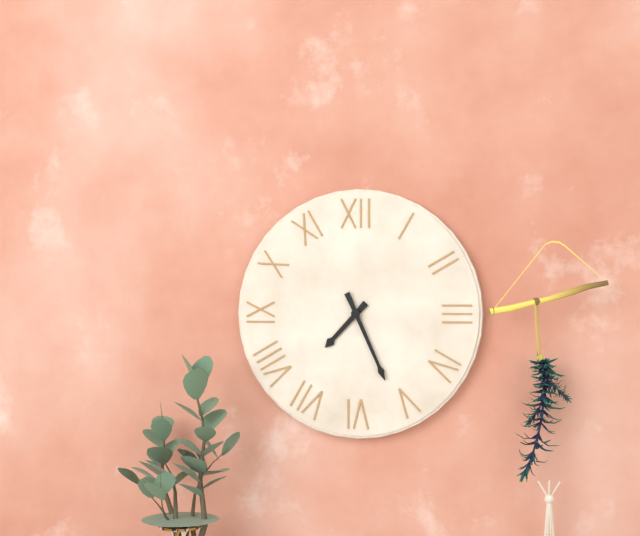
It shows 7 h 26 min
